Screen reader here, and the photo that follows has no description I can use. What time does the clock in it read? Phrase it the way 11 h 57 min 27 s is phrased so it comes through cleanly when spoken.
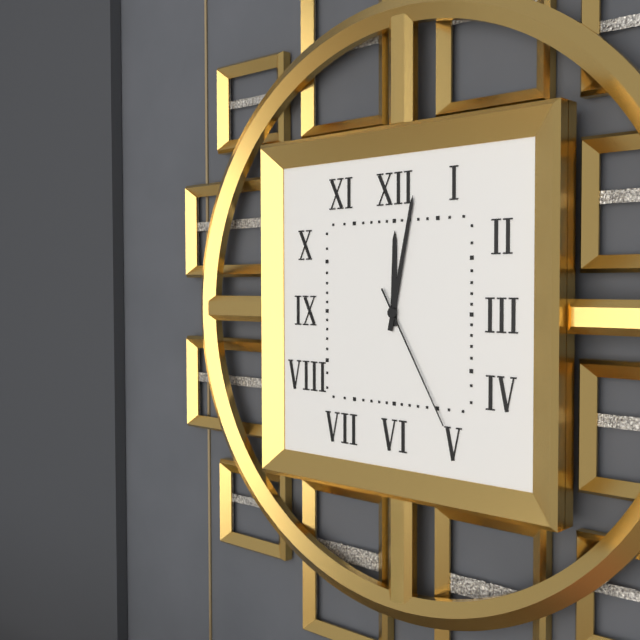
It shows 12 h 02 min 25 s
